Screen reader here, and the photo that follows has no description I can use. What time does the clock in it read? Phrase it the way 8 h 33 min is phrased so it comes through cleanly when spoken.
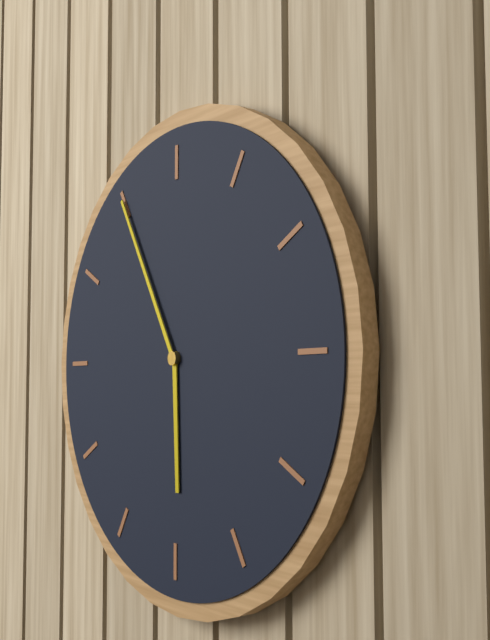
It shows 5 h 55 min
